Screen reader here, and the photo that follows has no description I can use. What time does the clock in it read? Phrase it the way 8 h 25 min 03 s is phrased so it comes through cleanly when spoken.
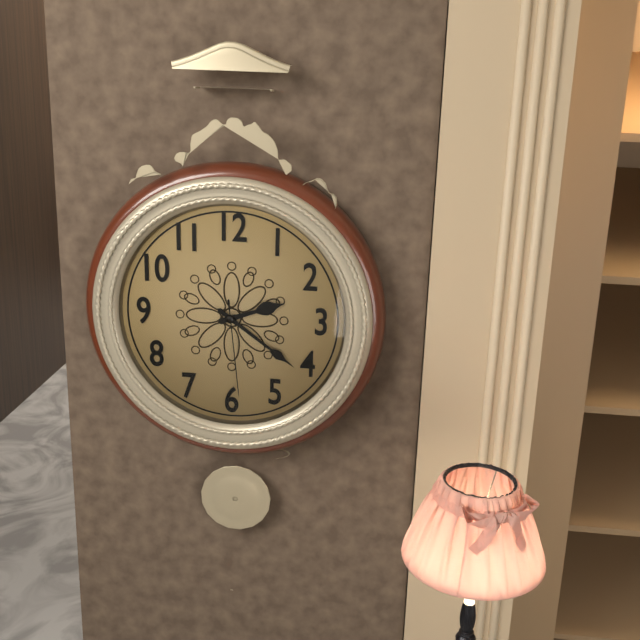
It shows 2 h 21 min 29 s
